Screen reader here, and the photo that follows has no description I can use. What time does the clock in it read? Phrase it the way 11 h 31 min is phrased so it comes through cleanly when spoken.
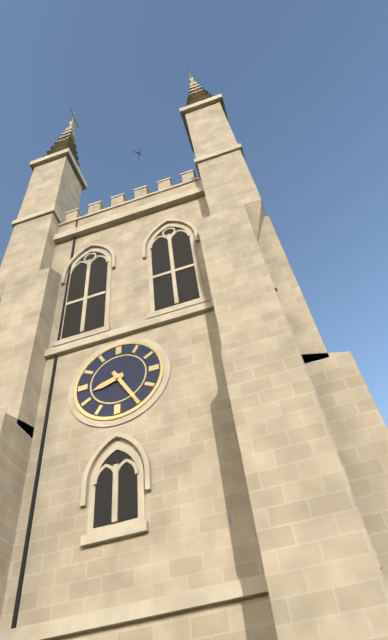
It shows 8 h 25 min
